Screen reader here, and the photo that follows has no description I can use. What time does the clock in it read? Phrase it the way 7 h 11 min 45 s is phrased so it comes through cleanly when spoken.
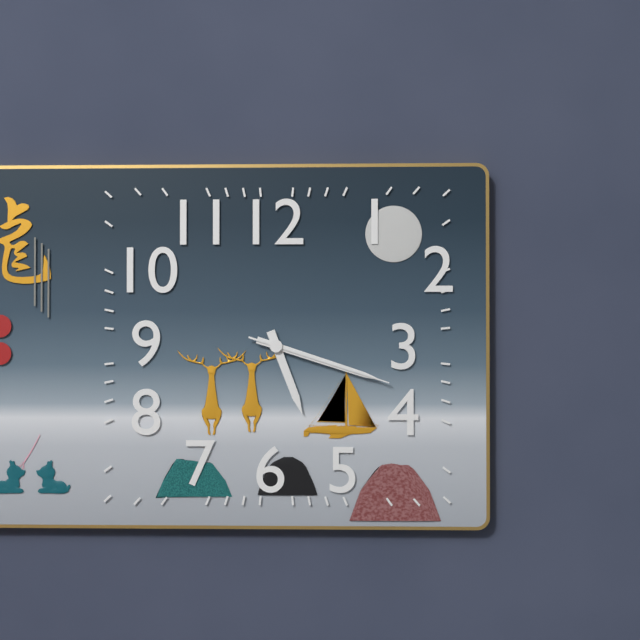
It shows 5 h 18 min 18 s
